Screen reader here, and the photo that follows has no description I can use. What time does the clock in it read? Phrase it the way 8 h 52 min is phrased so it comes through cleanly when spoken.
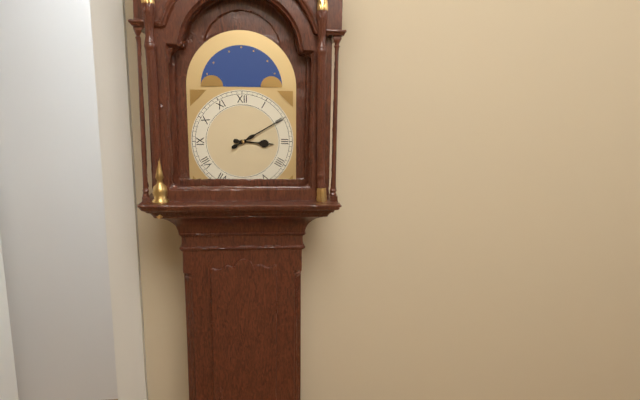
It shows 3 h 10 min
